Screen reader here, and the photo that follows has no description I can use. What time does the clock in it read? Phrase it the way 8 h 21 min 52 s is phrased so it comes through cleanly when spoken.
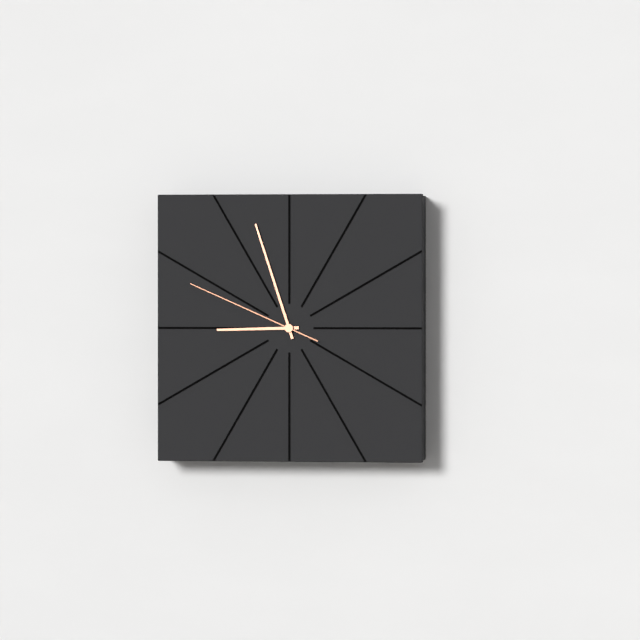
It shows 8 h 57 min 49 s
